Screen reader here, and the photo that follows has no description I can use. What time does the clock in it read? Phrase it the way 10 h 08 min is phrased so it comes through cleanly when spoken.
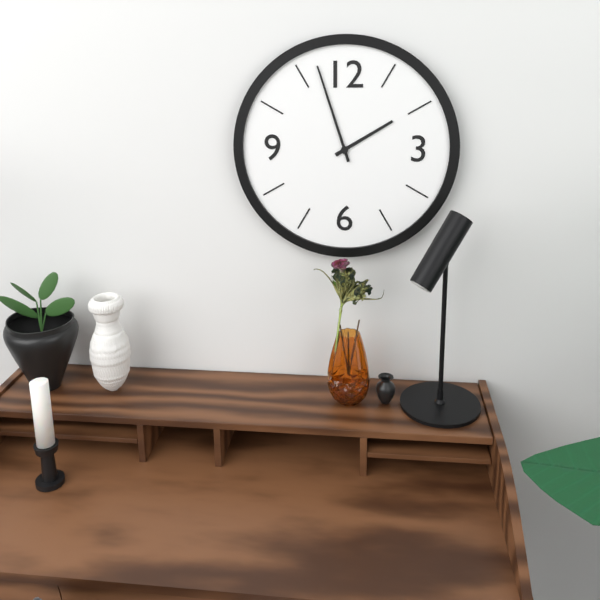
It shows 1 h 57 min
